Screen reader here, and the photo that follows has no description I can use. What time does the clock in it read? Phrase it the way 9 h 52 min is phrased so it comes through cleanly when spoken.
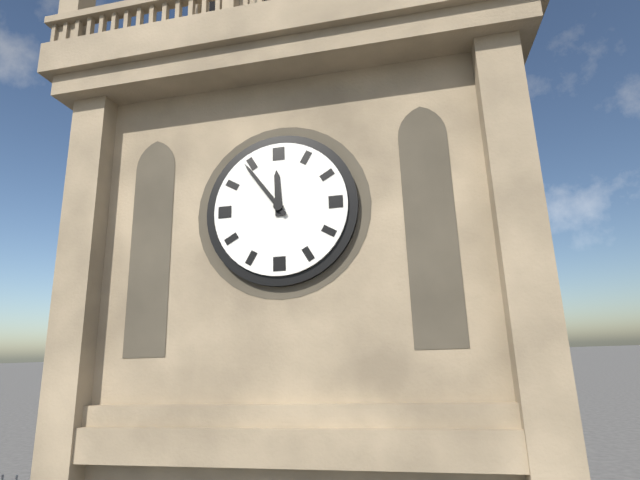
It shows 11 h 54 min
